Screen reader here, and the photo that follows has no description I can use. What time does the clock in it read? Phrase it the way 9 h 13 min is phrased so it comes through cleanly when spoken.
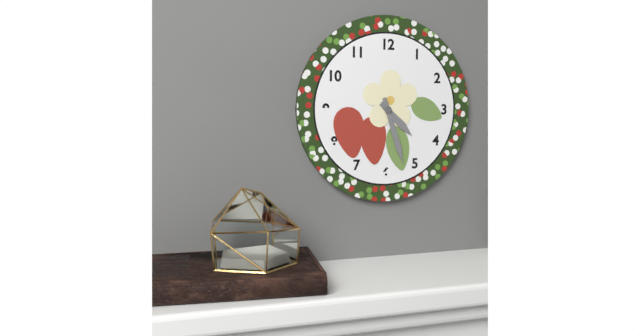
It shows 4 h 27 min
